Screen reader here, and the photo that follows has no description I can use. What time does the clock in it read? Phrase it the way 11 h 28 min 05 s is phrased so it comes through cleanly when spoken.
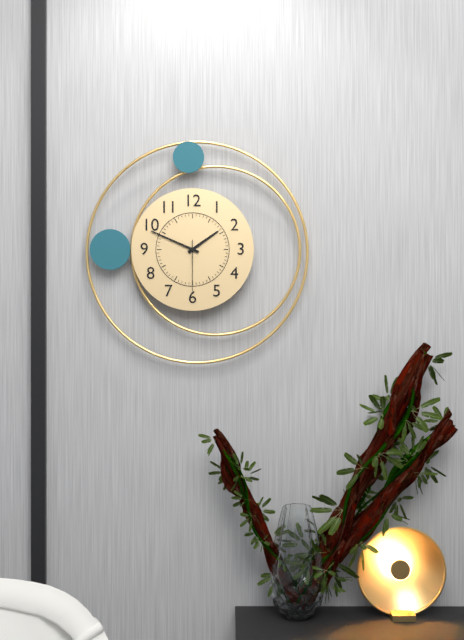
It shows 1 h 49 min 30 s
